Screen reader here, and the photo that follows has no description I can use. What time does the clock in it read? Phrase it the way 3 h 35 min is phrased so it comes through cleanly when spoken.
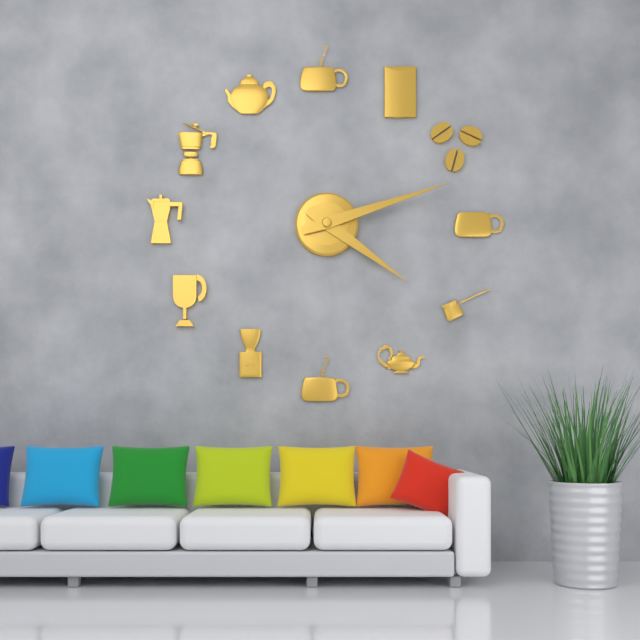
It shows 4 h 12 min
